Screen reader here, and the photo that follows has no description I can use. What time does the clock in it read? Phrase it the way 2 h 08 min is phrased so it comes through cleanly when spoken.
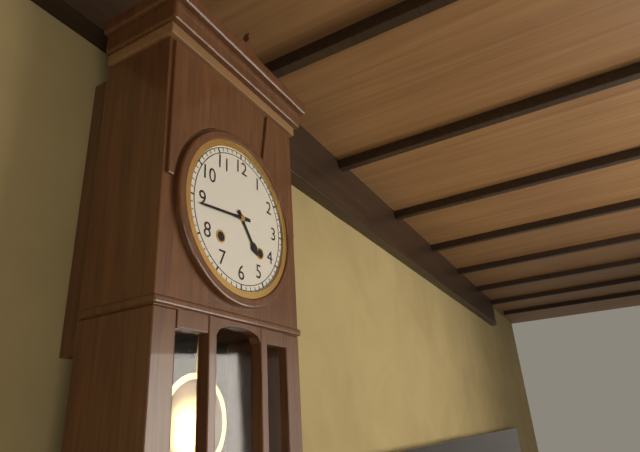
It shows 4 h 44 min
